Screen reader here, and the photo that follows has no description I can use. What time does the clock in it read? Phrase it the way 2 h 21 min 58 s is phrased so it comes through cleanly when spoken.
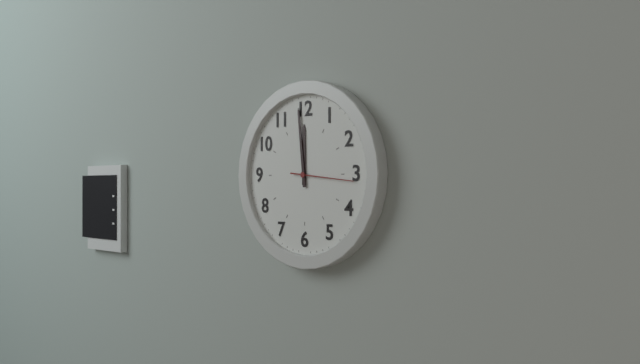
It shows 11 h 59 min 16 s
